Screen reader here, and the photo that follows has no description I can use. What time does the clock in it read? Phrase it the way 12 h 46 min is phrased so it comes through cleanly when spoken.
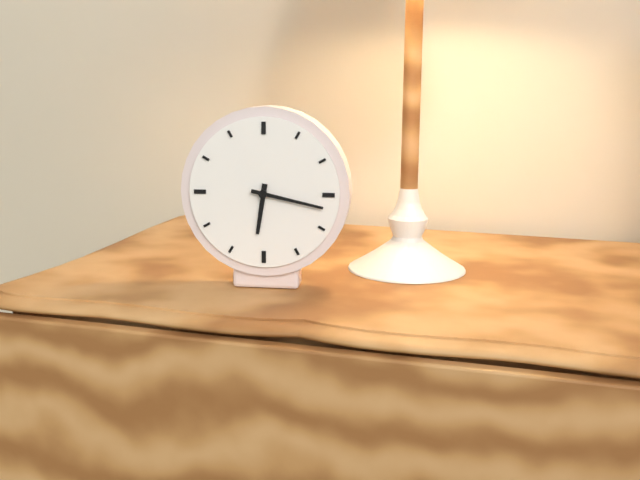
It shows 6 h 17 min
